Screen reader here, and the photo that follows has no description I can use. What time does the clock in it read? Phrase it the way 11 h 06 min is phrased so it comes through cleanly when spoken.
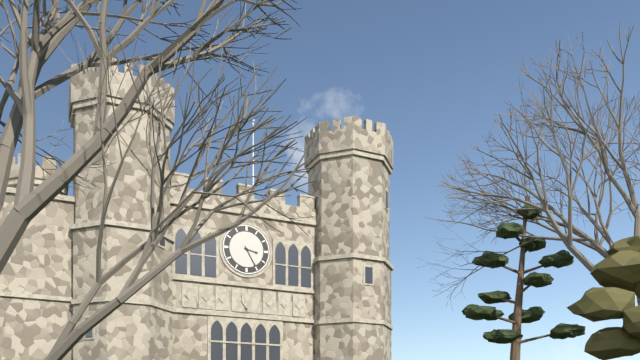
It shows 3 h 25 min
